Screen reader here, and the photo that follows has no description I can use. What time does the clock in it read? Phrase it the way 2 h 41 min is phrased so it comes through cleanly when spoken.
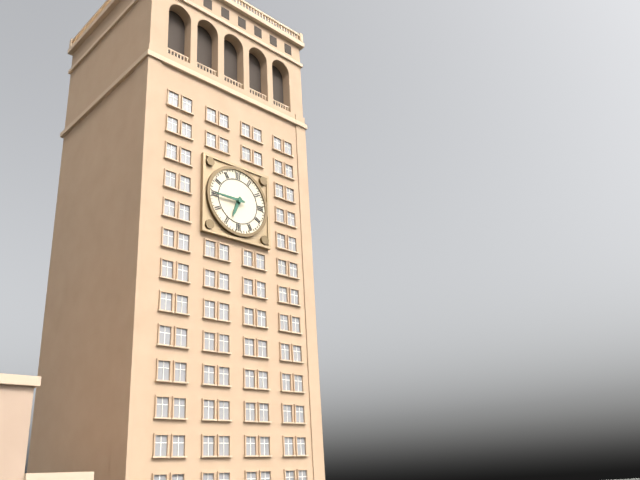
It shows 6 h 45 min
